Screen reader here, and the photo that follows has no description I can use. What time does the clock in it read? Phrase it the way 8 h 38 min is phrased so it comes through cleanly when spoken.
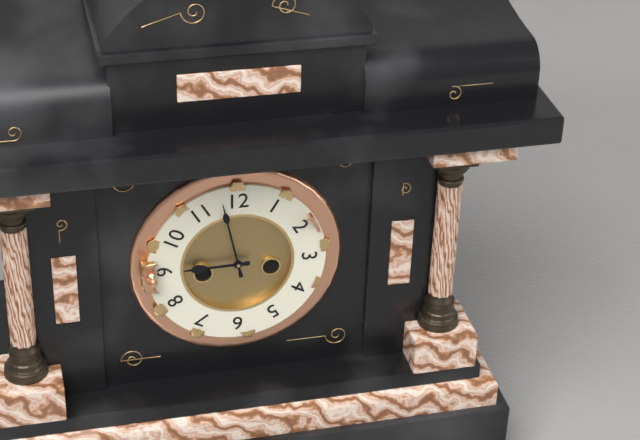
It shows 8 h 58 min
